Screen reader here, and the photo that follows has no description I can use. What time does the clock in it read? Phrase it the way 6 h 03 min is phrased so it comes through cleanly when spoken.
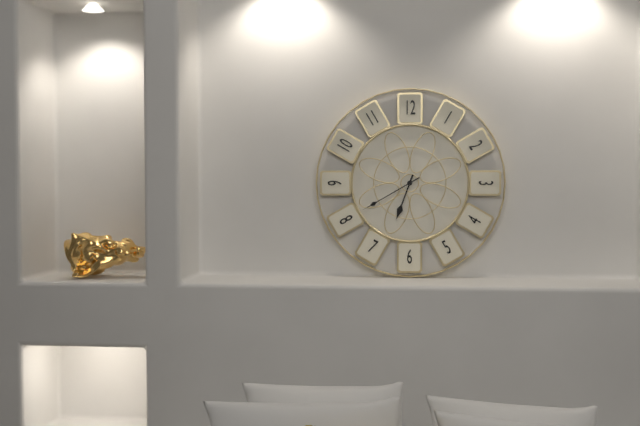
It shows 6 h 40 min
